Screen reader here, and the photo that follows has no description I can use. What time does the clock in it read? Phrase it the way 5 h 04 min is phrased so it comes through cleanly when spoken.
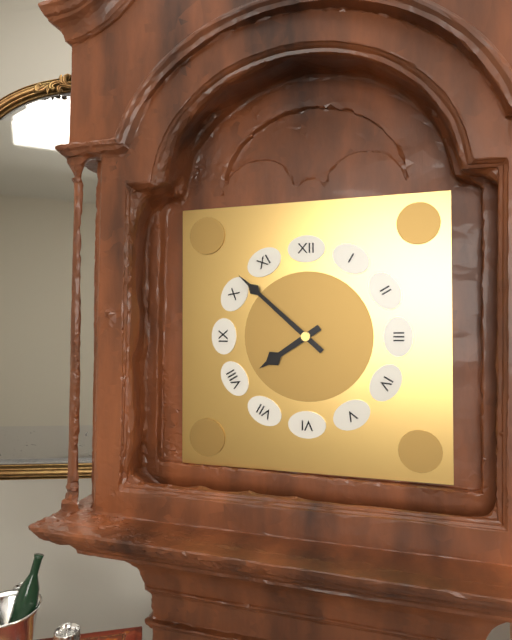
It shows 7 h 52 min
